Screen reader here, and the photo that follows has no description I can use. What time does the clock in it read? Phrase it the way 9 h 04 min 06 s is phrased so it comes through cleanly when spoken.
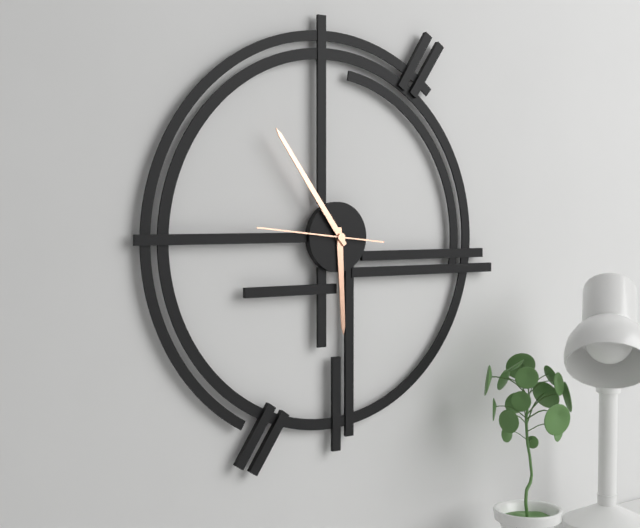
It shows 5 h 54 min 46 s
